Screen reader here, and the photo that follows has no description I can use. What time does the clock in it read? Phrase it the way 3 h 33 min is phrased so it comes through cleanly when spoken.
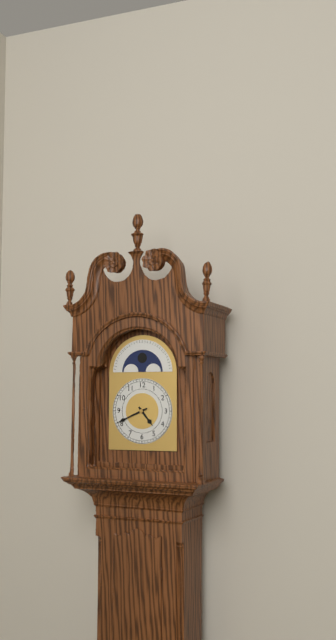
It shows 4 h 41 min
